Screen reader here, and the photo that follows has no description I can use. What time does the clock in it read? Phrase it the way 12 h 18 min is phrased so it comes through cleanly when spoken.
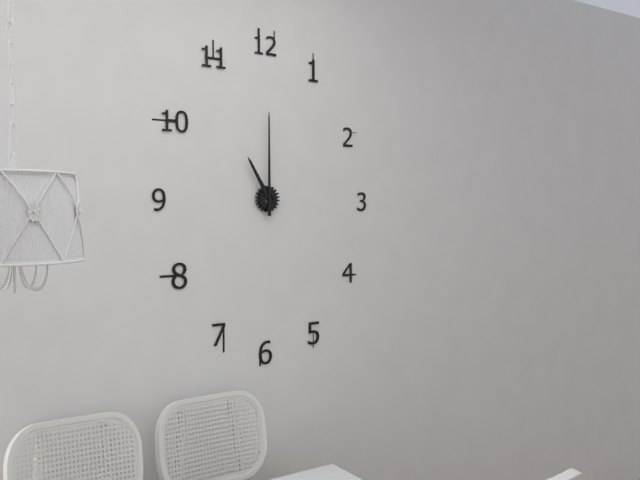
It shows 11 h 00 min
